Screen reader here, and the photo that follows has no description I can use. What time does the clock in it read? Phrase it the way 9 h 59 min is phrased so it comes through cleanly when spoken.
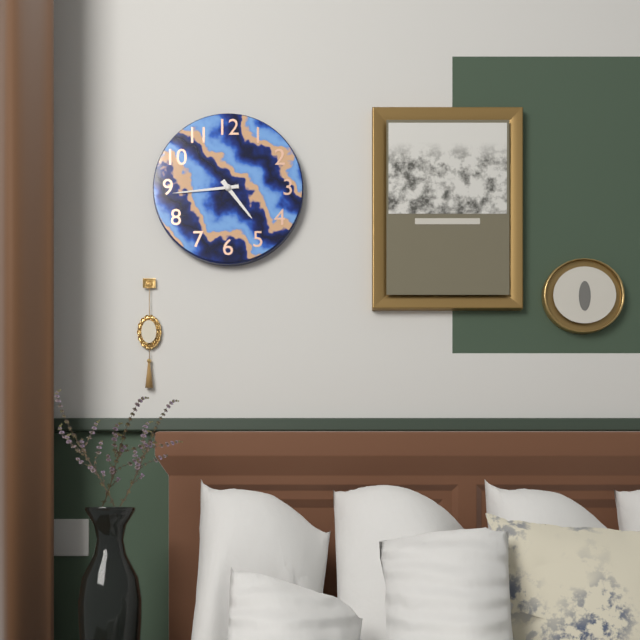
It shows 4 h 44 min
